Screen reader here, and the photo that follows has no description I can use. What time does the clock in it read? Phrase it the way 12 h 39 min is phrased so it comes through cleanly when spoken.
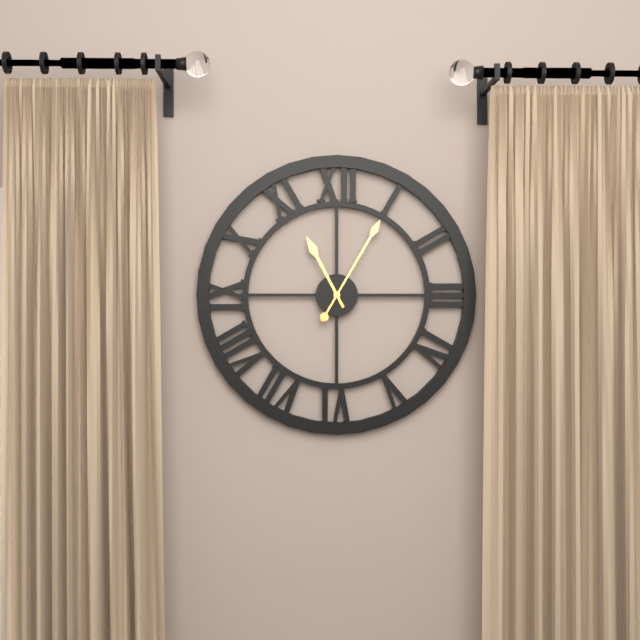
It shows 11 h 05 min
